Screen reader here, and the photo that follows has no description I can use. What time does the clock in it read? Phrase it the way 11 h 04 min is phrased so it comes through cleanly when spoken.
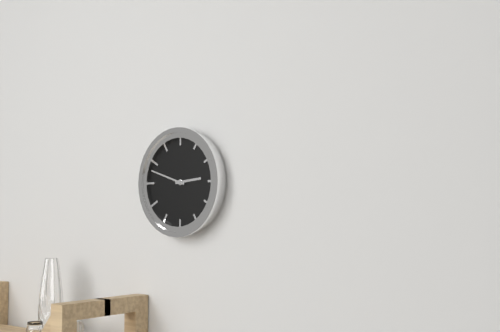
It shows 2 h 48 min
